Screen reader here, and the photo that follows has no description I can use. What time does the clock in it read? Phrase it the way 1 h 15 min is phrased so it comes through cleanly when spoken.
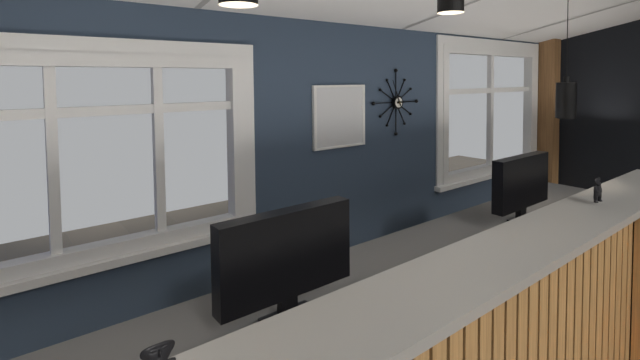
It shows 2 h 56 min
